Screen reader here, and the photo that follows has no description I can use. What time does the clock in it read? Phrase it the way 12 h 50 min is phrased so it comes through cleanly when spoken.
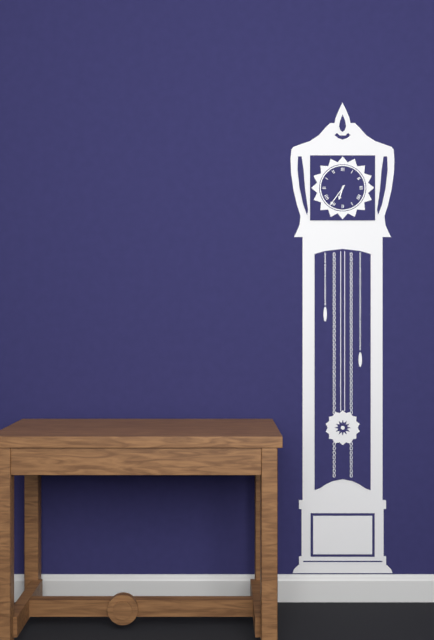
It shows 6 h 36 min
